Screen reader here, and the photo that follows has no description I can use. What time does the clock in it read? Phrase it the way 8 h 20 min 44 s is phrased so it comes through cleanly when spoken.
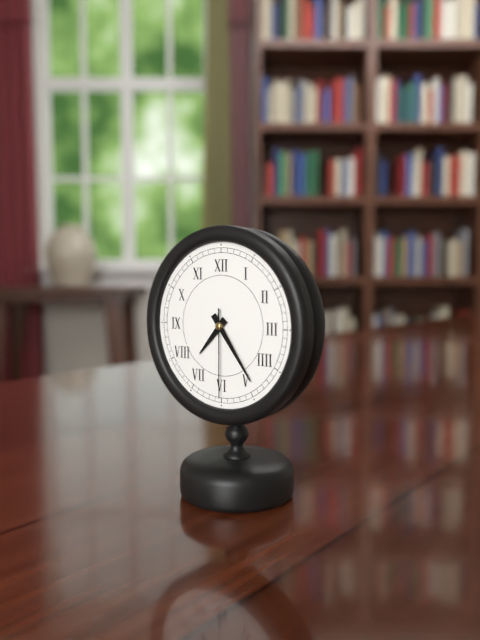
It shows 7 h 24 min 30 s
